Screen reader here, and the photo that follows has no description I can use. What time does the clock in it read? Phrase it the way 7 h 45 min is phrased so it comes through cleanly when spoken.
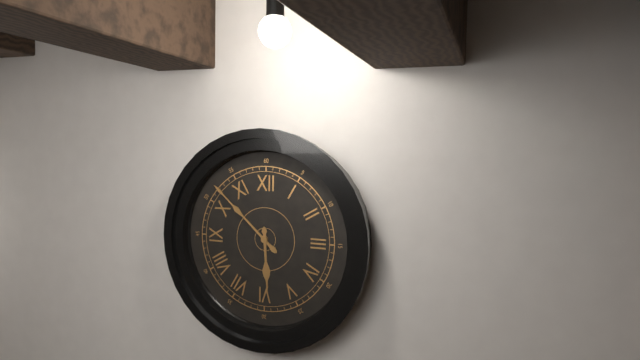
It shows 5 h 52 min
